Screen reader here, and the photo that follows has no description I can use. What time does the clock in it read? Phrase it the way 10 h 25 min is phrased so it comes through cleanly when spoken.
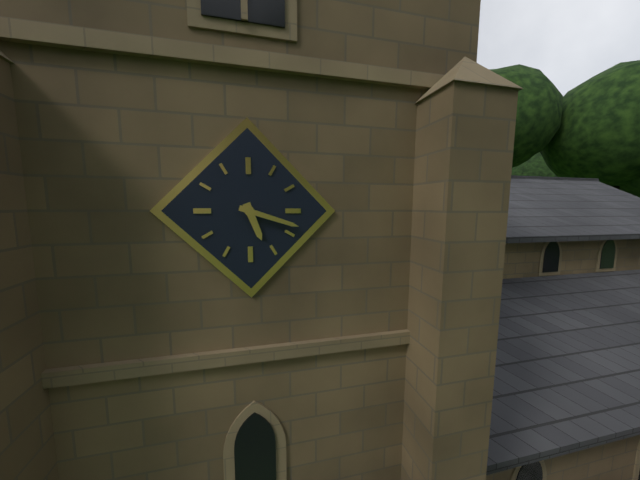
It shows 5 h 18 min
